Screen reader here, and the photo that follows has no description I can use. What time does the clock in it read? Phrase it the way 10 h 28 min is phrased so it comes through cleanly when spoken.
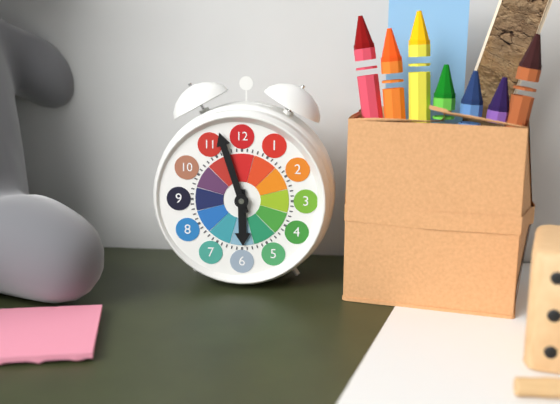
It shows 5 h 57 min
